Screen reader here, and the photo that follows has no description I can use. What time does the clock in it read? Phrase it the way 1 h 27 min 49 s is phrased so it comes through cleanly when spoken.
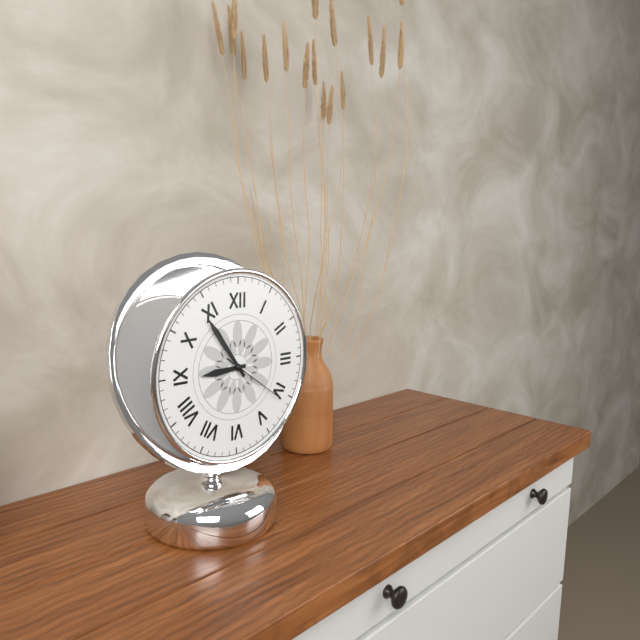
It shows 8 h 54 min 21 s
